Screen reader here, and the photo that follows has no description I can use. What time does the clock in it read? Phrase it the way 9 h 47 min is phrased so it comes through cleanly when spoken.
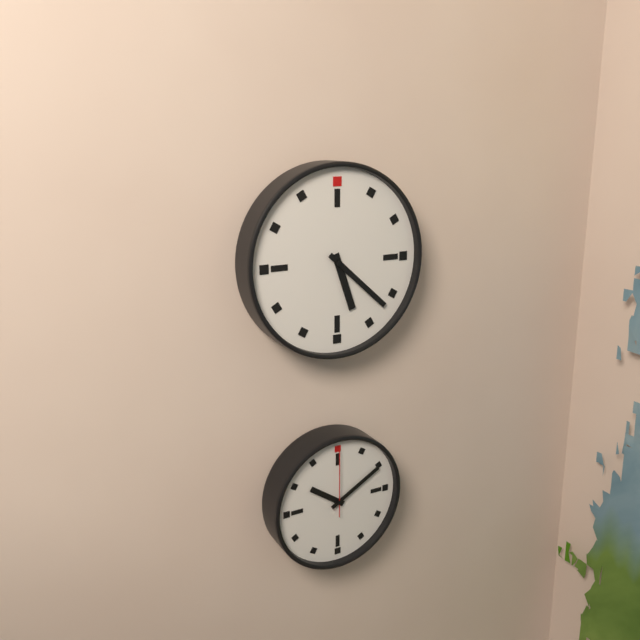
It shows 5 h 22 min
